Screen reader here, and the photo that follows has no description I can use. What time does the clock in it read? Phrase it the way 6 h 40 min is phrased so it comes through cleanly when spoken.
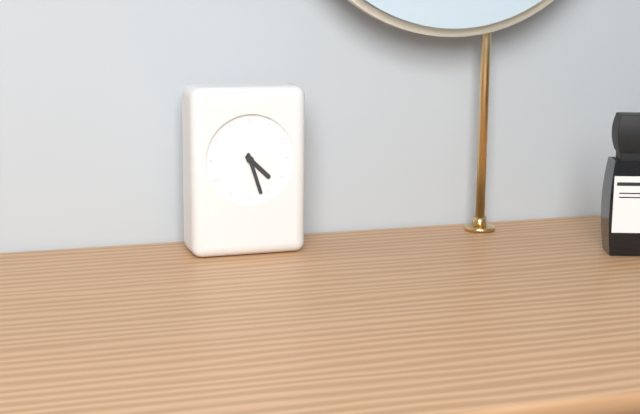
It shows 4 h 27 min
